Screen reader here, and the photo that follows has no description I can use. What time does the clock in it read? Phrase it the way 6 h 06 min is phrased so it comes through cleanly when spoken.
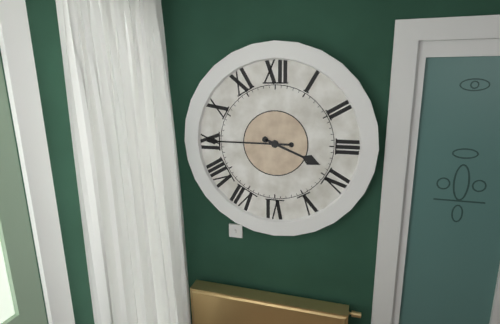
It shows 3 h 45 min
